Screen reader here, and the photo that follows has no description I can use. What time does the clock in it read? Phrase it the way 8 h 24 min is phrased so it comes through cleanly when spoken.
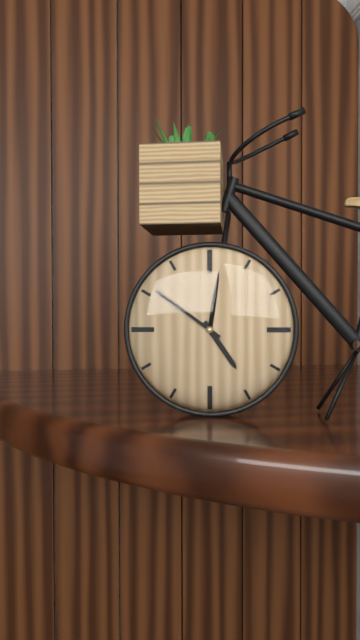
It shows 4 h 51 min
